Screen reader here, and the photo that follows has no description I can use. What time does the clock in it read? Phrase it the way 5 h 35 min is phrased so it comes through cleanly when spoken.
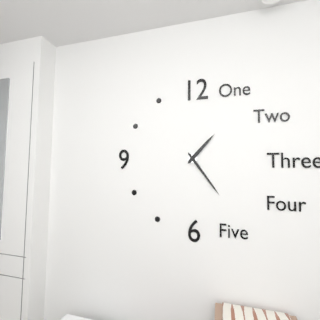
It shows 1 h 24 min
